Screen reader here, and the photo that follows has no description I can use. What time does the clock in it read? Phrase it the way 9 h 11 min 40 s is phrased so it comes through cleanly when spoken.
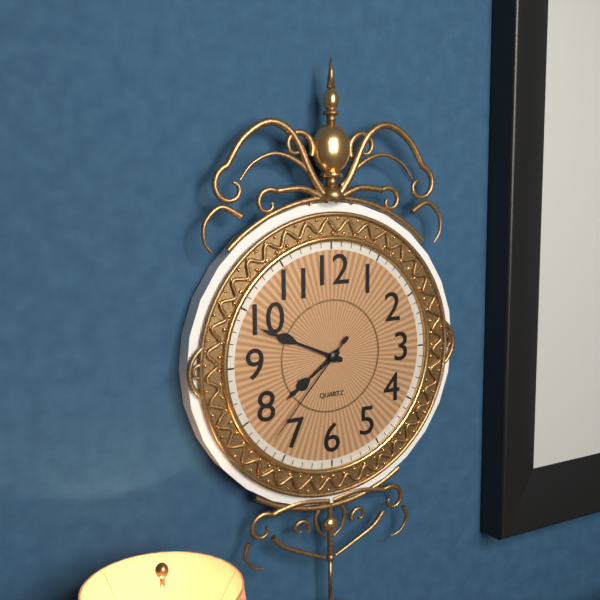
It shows 7 h 49 min 37 s
